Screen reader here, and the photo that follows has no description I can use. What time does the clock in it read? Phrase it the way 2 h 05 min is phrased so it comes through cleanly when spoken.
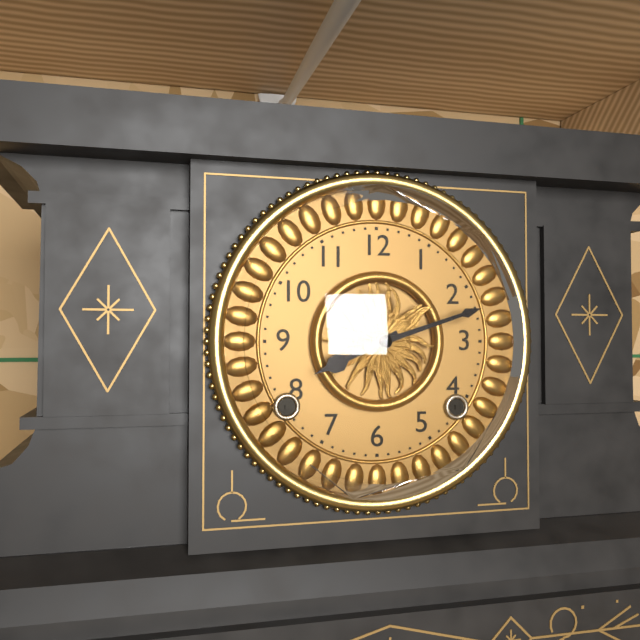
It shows 8 h 12 min
